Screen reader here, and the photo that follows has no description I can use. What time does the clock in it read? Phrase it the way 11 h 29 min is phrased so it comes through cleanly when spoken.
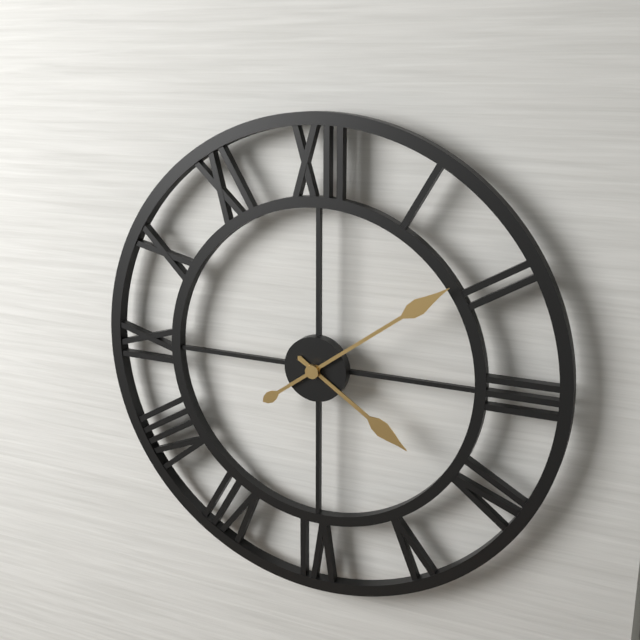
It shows 4 h 09 min
